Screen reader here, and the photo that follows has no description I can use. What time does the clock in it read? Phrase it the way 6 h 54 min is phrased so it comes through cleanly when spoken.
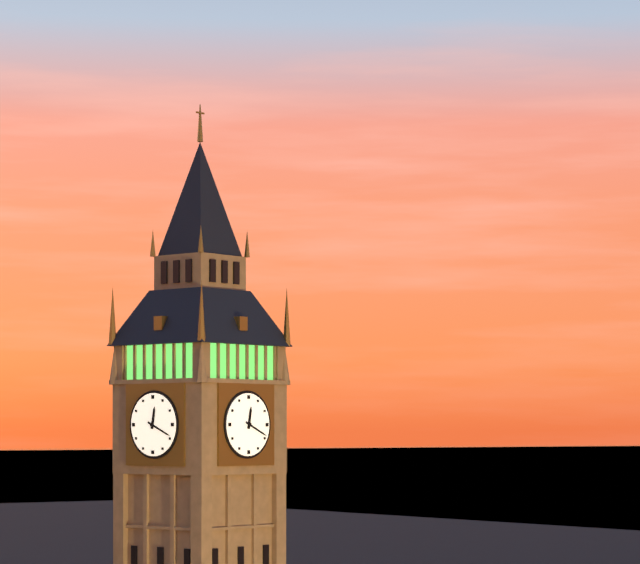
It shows 12 h 19 min
